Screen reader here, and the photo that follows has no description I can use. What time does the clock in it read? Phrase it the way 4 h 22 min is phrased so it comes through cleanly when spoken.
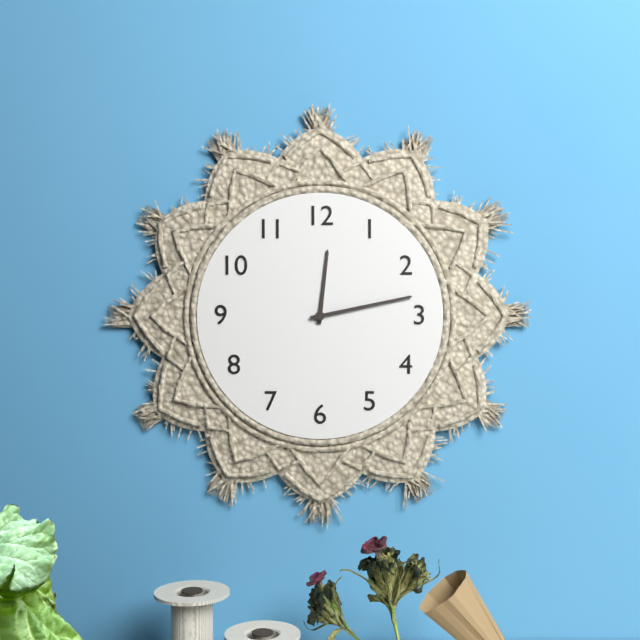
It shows 12 h 13 min
